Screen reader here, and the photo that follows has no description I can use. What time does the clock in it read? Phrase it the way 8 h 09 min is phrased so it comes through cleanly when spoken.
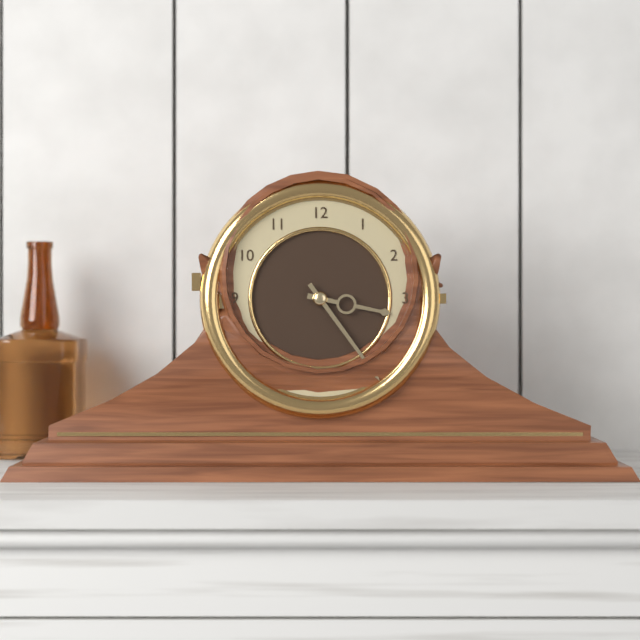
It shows 3 h 24 min
